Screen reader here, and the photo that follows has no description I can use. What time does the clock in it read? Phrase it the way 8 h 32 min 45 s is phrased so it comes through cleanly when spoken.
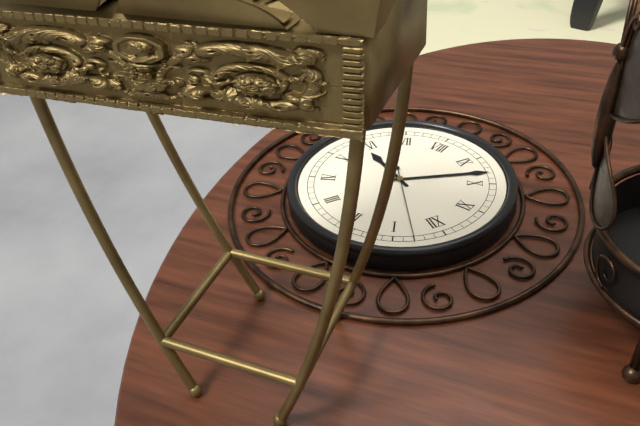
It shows 5 h 48 min 03 s
